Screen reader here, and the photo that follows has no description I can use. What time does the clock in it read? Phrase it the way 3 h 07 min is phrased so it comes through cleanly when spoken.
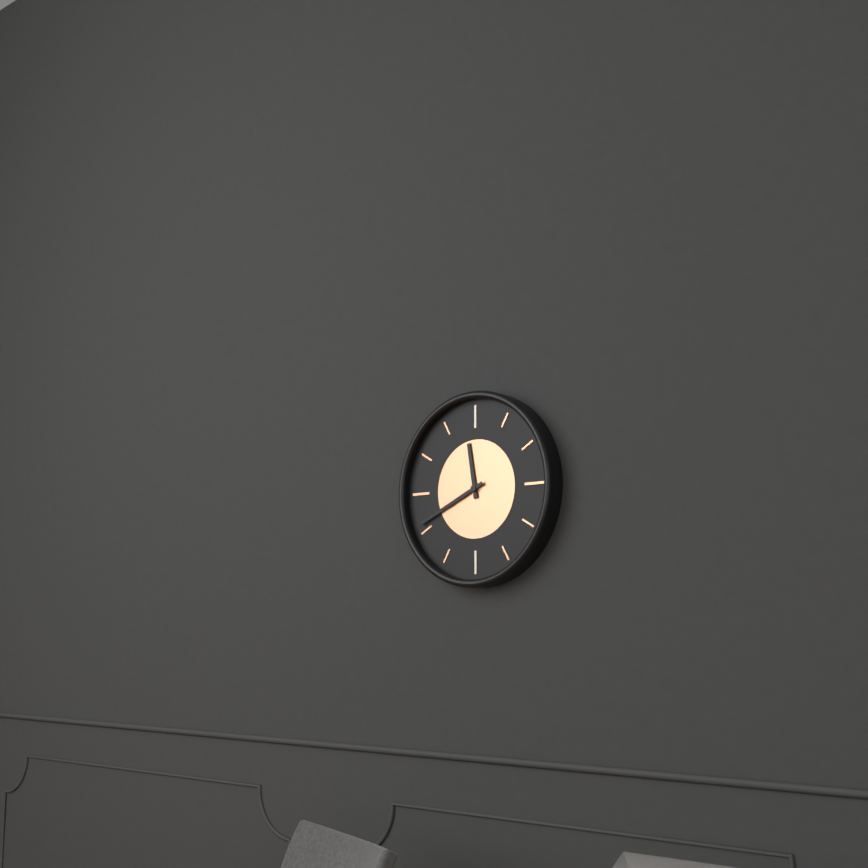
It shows 11 h 41 min
